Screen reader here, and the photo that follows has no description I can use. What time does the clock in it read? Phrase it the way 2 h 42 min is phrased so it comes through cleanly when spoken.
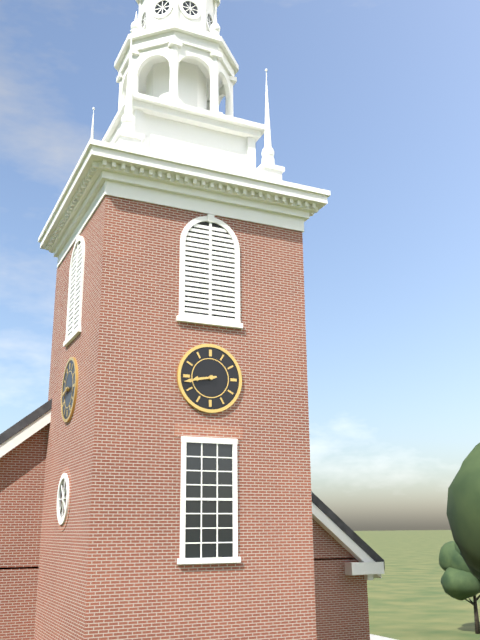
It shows 8 h 43 min
